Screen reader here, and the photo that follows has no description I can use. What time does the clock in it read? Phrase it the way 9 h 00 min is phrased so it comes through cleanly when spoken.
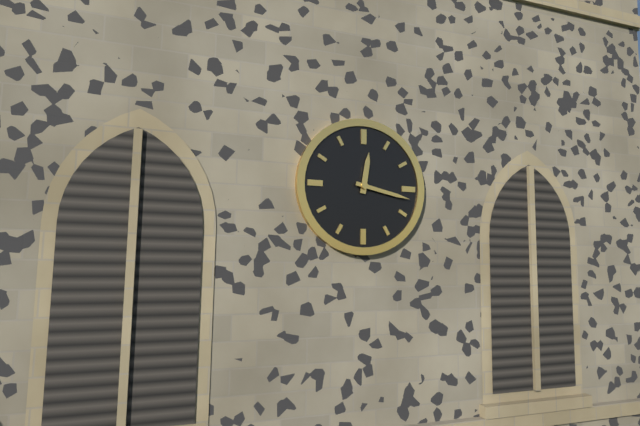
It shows 12 h 17 min
